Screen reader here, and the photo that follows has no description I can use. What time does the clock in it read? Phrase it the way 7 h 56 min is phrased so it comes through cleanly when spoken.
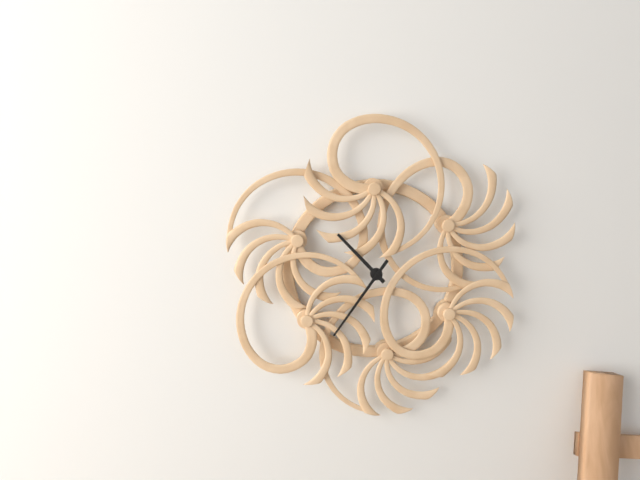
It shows 10 h 36 min
